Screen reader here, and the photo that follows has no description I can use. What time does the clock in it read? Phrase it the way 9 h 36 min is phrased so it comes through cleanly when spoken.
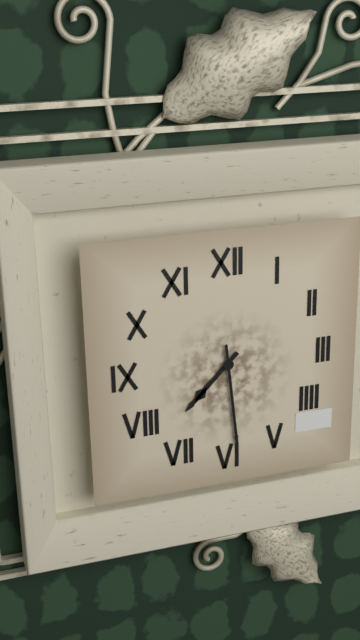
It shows 7 h 29 min
